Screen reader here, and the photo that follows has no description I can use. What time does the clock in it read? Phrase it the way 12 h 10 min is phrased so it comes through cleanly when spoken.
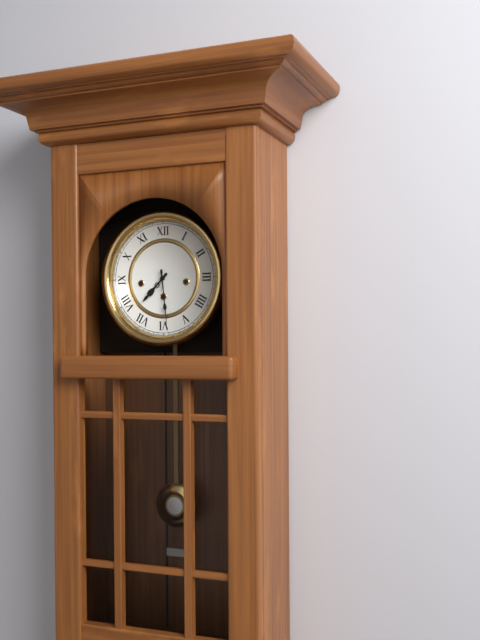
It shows 7 h 29 min
